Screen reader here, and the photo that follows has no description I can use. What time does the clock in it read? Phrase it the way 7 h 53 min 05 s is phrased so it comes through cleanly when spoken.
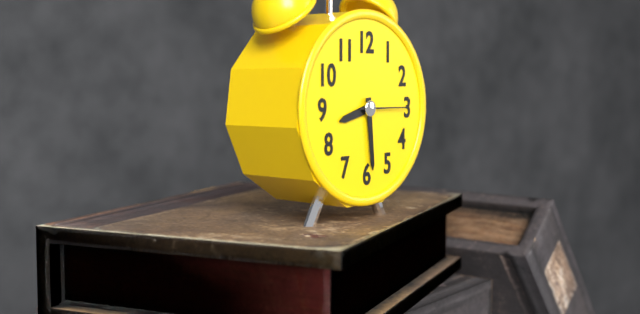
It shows 8 h 29 min 15 s
